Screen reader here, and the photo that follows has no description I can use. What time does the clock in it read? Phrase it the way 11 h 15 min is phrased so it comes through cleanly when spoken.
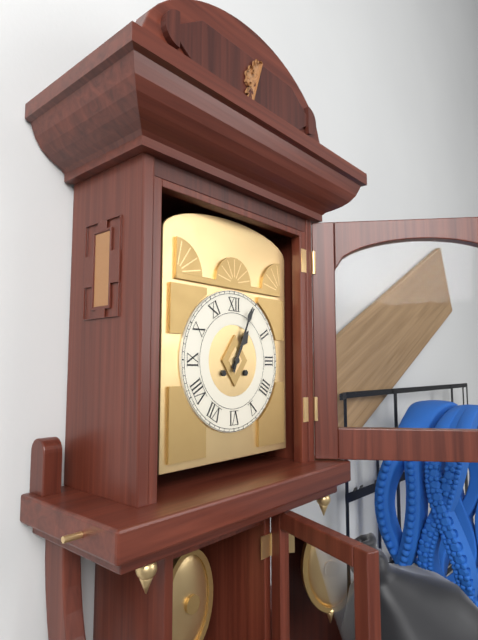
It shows 1 h 04 min
